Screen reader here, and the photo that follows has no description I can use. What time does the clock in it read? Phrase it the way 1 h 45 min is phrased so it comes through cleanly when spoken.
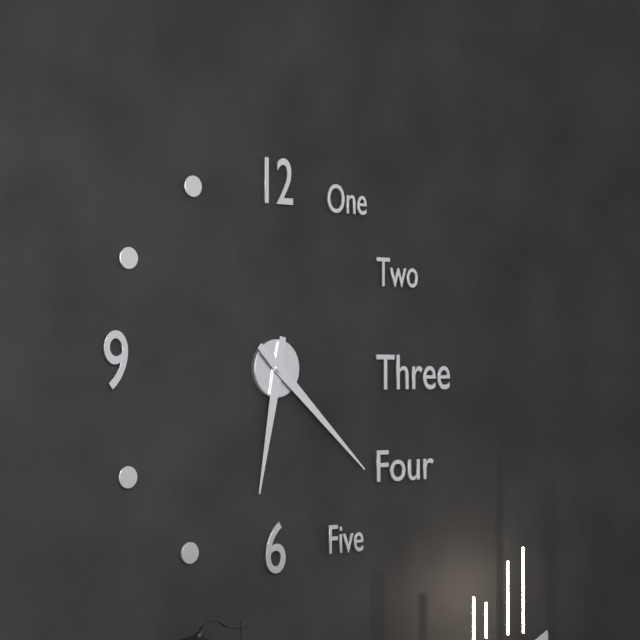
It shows 6 h 22 min
